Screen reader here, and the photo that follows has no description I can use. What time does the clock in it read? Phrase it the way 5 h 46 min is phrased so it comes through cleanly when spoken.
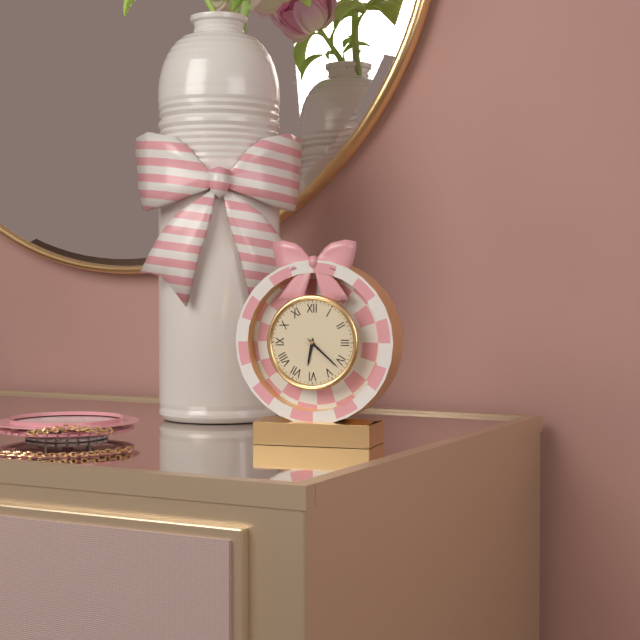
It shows 6 h 22 min
